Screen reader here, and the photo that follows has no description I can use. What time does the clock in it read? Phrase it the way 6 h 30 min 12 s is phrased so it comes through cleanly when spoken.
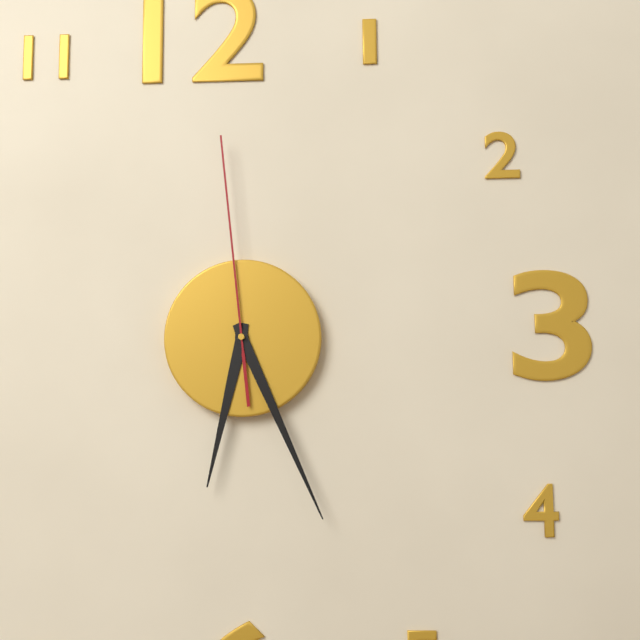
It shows 6 h 26 min 59 s
